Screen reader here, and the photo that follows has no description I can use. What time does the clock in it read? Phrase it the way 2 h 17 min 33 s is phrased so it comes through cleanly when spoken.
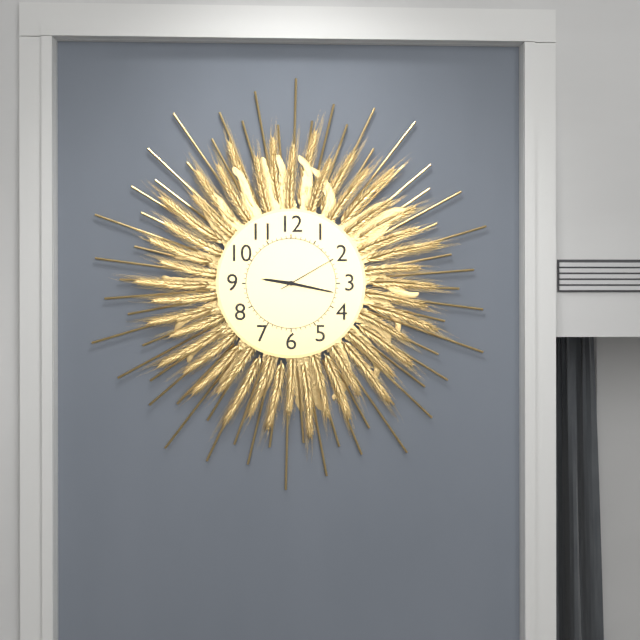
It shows 9 h 17 min 10 s
